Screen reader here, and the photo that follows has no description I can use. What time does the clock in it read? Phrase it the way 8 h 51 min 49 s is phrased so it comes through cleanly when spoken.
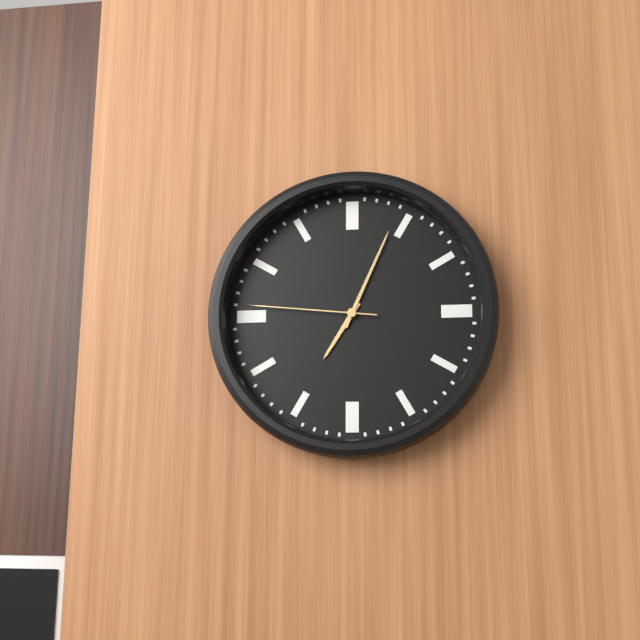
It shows 7 h 04 min 46 s
